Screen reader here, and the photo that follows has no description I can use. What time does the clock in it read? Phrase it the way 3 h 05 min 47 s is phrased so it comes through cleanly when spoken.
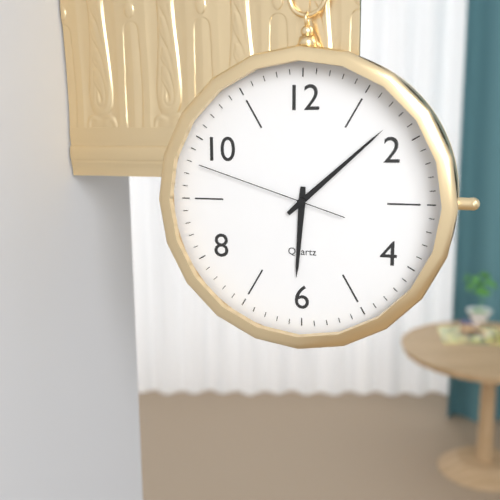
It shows 6 h 08 min 48 s
